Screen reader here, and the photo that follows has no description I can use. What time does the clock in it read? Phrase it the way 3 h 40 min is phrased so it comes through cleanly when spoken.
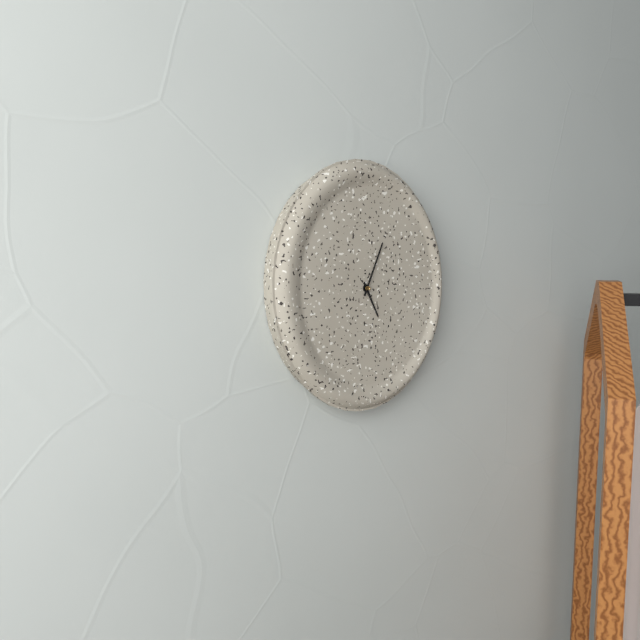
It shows 5 h 04 min
